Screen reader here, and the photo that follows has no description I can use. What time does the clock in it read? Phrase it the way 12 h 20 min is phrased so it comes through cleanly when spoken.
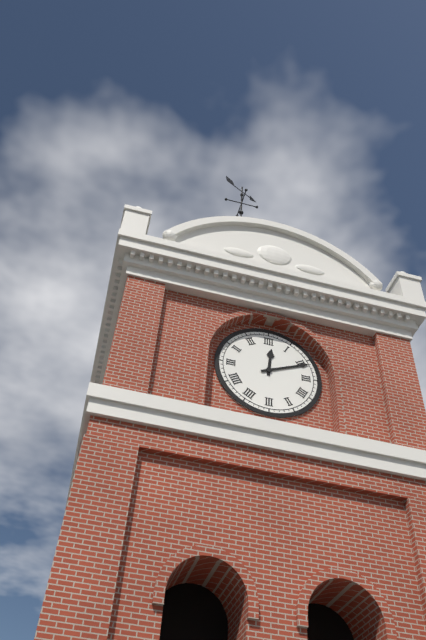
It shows 12 h 11 min
